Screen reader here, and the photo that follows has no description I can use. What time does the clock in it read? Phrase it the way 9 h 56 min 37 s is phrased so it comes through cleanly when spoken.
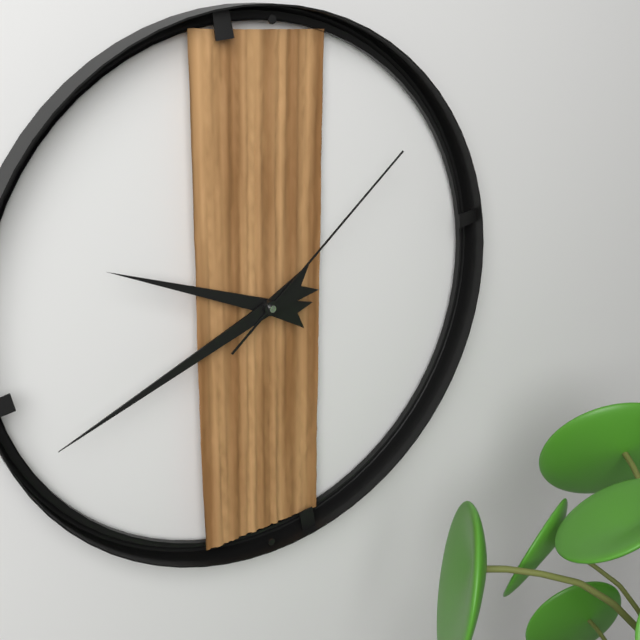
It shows 9 h 41 min 08 s
